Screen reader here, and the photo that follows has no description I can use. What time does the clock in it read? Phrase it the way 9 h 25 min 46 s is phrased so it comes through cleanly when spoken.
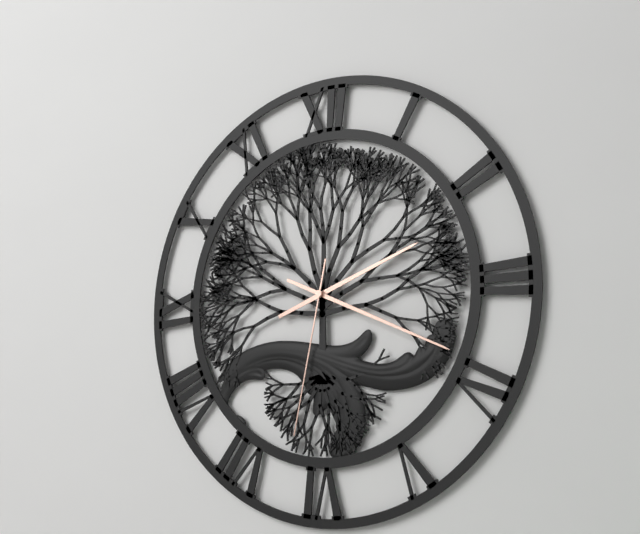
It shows 2 h 19 min 32 s
